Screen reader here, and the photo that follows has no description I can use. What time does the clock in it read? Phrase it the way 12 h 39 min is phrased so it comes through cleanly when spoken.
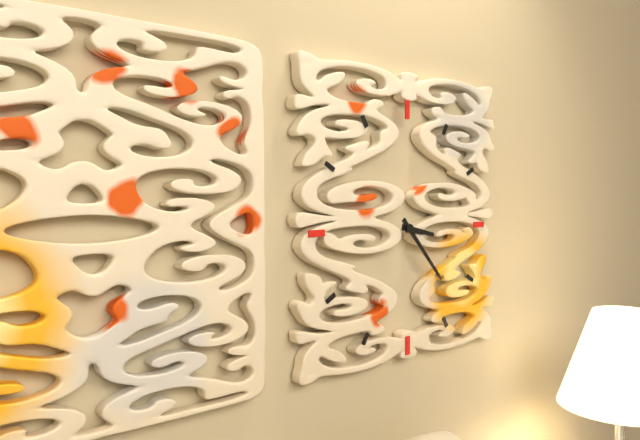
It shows 3 h 23 min
